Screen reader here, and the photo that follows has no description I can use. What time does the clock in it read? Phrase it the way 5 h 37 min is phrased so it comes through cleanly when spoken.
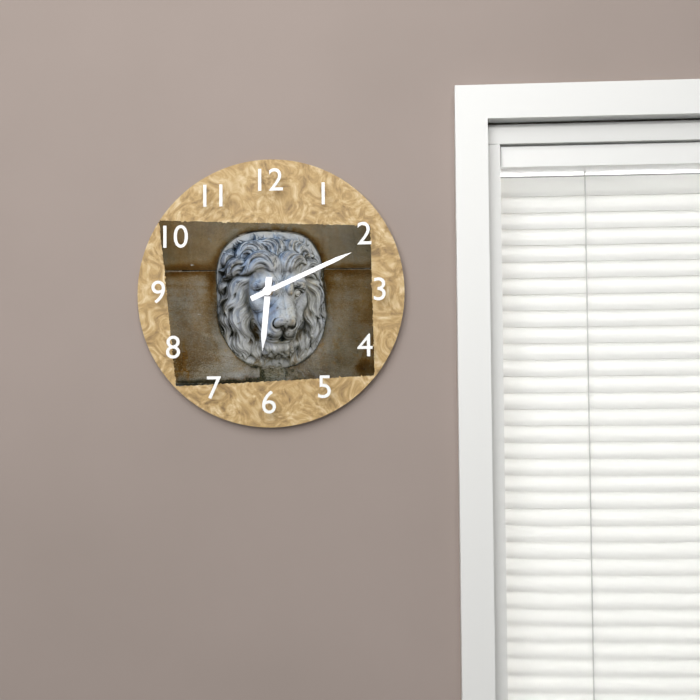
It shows 6 h 11 min
